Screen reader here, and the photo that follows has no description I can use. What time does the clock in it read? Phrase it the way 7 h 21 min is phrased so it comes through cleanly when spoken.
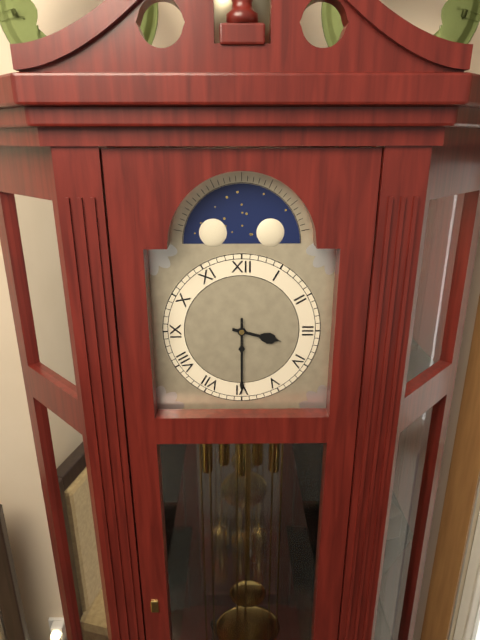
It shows 3 h 30 min
